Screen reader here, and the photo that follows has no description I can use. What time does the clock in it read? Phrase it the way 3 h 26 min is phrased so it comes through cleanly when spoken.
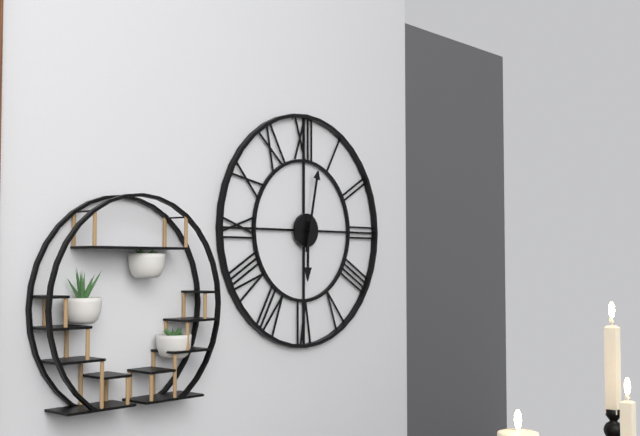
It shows 6 h 02 min
